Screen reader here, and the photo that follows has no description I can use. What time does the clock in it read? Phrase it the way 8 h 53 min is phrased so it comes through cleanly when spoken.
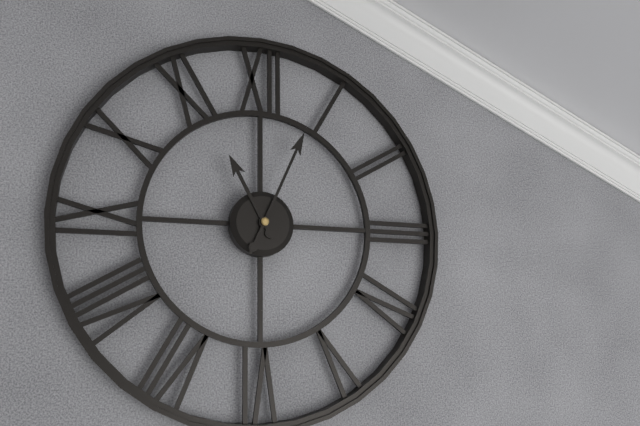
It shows 11 h 04 min
